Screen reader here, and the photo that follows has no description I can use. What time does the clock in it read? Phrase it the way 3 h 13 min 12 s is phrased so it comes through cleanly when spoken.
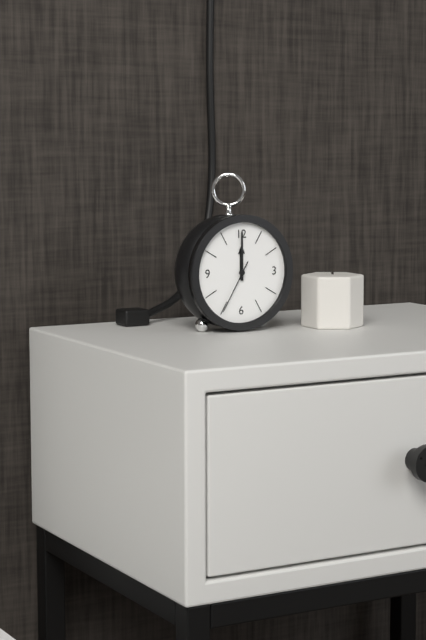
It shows 12 h 00 min 35 s
